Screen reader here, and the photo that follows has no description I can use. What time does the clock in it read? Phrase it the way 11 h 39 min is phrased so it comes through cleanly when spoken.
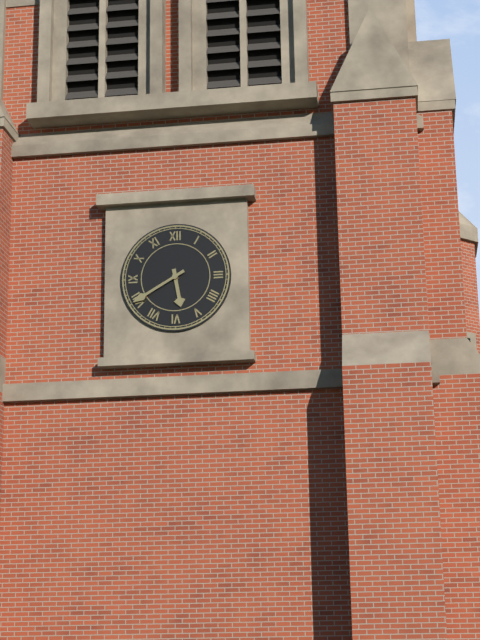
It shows 5 h 40 min
